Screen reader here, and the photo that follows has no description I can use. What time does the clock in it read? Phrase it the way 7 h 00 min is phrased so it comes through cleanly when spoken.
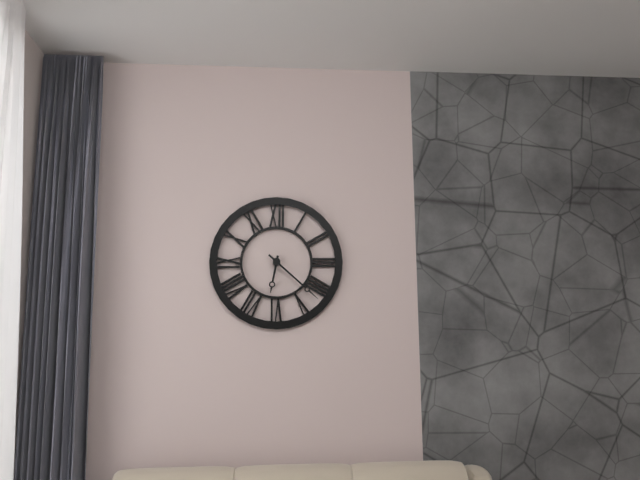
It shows 6 h 22 min
